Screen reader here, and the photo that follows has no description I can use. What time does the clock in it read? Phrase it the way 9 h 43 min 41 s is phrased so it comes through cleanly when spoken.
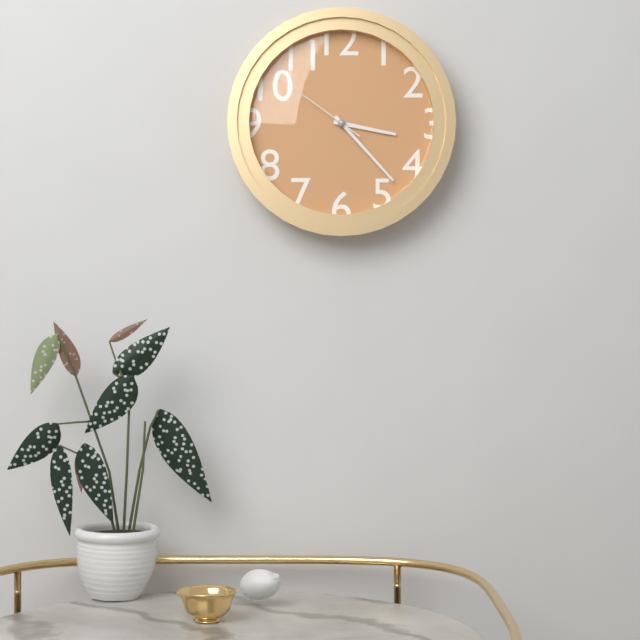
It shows 3 h 23 min 51 s
